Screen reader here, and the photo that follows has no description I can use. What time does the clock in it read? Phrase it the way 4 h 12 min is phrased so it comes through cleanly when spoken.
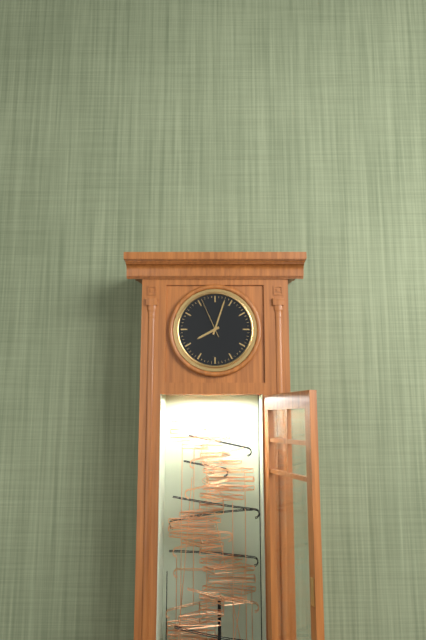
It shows 8 h 03 min
